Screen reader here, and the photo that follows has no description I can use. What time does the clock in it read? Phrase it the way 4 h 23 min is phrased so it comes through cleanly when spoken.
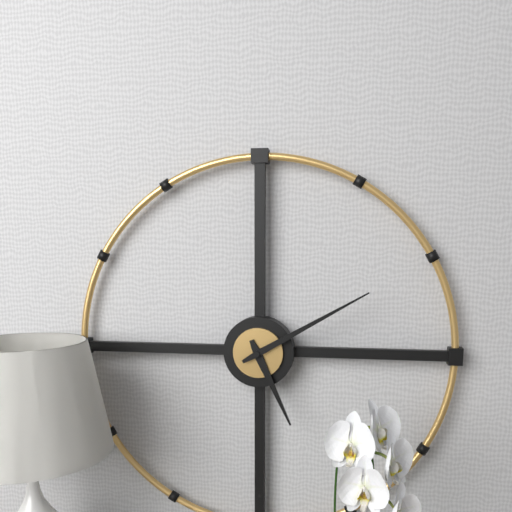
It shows 5 h 10 min
